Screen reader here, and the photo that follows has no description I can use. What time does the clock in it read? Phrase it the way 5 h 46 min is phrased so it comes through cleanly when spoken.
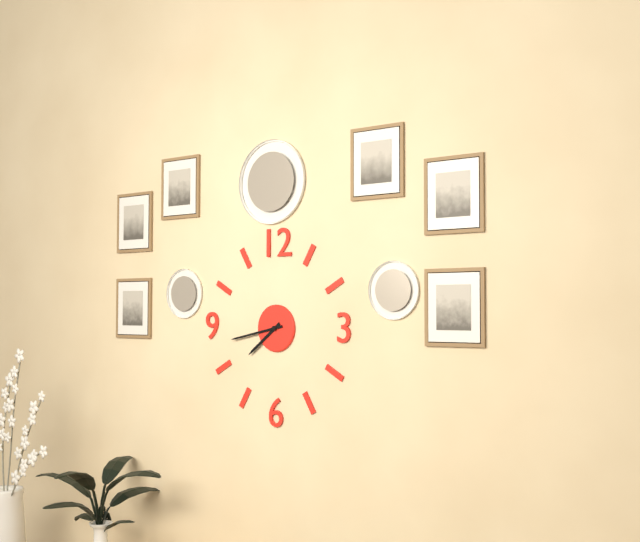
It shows 7 h 43 min
